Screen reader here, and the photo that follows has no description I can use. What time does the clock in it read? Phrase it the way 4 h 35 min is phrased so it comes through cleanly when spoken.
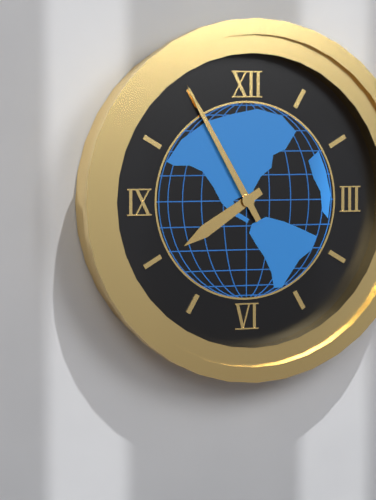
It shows 7 h 55 min
